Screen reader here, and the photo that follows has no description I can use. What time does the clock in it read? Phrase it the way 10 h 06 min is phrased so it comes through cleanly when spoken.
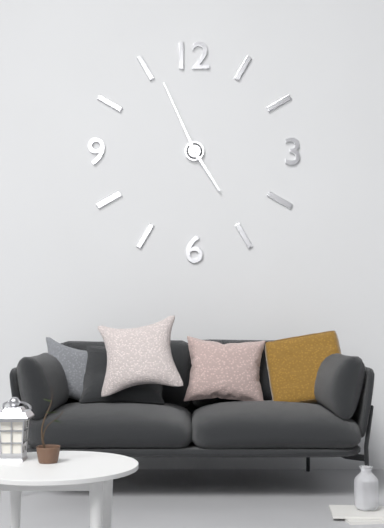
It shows 4 h 56 min
